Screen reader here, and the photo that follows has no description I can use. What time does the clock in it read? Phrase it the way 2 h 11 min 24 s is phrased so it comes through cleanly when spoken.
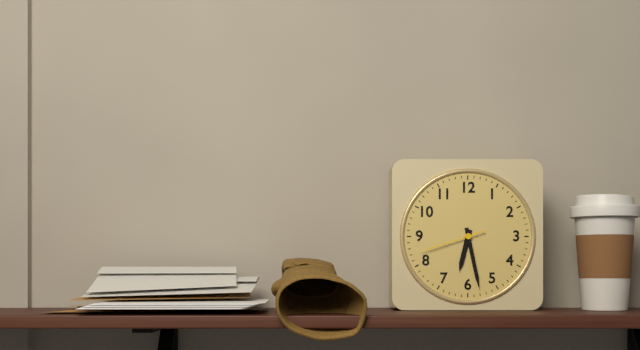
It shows 6 h 28 min 42 s
